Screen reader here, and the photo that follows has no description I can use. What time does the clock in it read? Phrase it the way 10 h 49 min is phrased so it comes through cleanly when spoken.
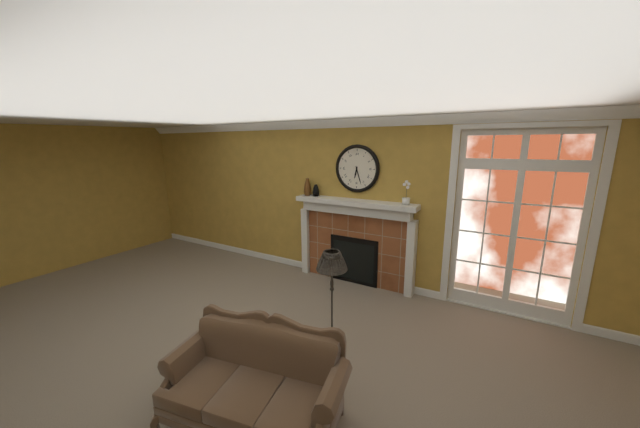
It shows 6 h 27 min
